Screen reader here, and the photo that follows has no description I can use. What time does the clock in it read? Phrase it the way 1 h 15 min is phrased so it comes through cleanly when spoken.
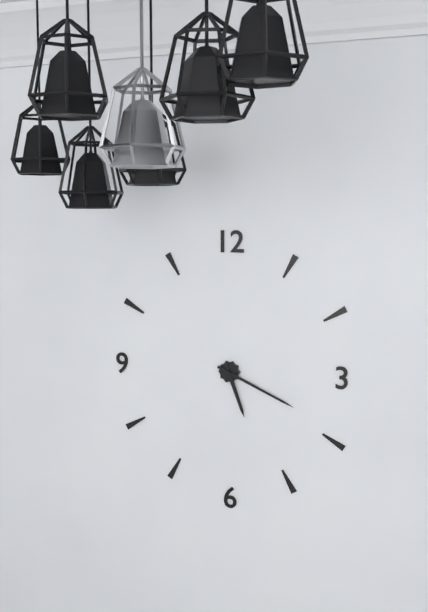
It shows 5 h 19 min
